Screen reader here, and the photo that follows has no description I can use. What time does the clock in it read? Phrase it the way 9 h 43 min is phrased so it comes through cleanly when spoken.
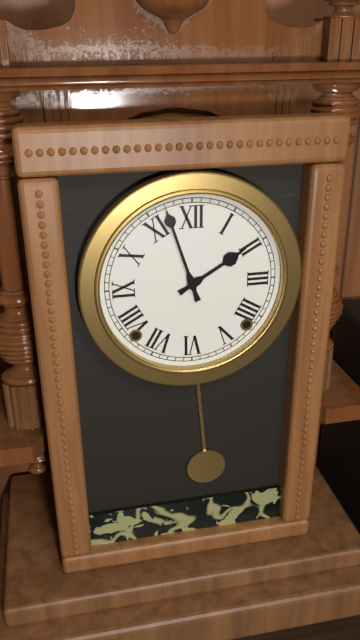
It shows 1 h 57 min
